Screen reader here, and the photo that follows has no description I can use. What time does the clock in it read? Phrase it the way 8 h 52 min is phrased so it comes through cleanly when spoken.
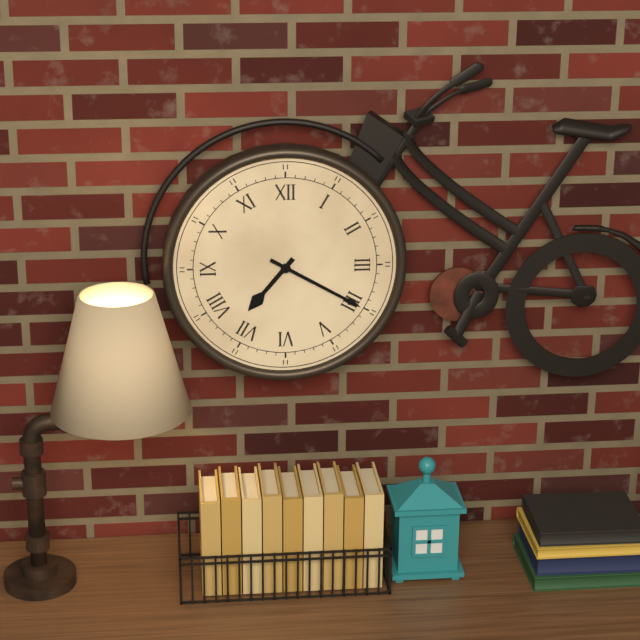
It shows 7 h 20 min
